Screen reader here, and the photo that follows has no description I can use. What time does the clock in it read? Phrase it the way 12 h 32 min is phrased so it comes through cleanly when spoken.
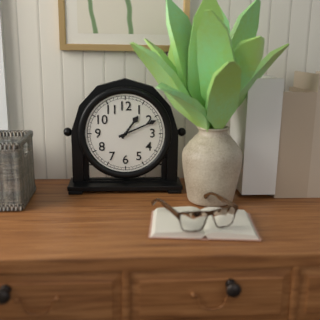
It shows 1 h 11 min
